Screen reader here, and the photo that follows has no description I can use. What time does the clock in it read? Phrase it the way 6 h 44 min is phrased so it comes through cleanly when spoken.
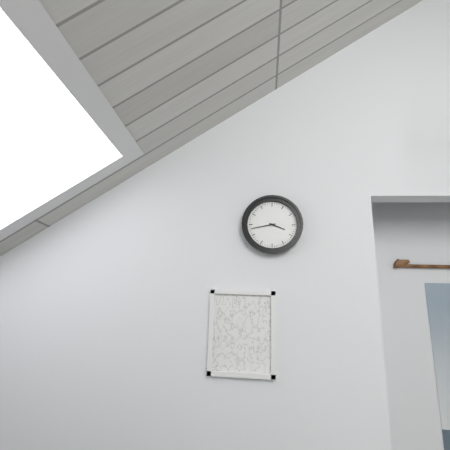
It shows 3 h 43 min
